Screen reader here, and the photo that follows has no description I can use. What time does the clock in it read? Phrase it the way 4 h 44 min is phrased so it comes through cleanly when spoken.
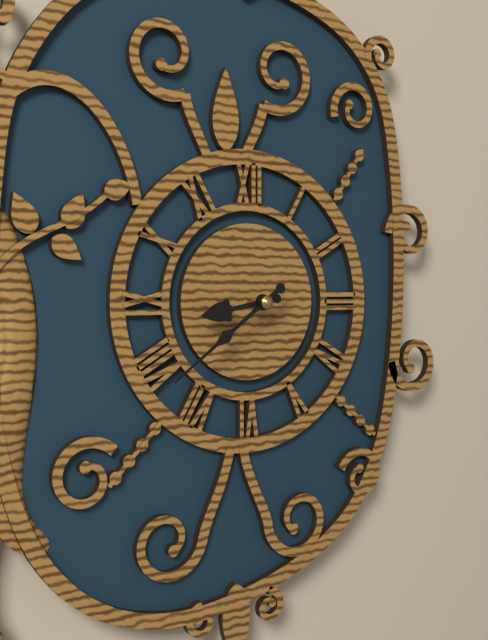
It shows 8 h 39 min
